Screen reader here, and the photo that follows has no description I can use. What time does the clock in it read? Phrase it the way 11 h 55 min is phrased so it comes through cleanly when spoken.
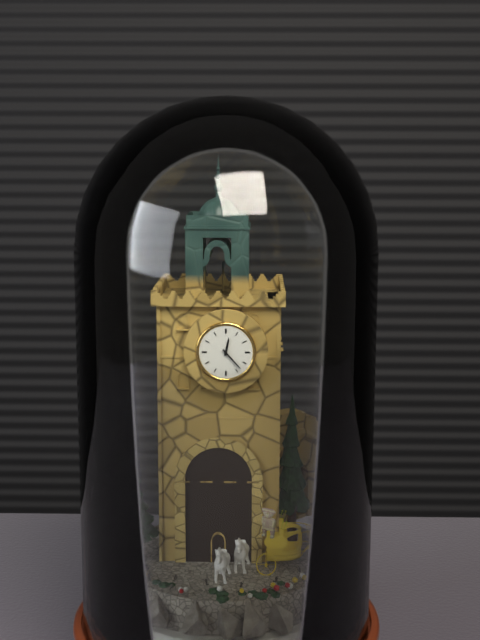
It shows 12 h 23 min
